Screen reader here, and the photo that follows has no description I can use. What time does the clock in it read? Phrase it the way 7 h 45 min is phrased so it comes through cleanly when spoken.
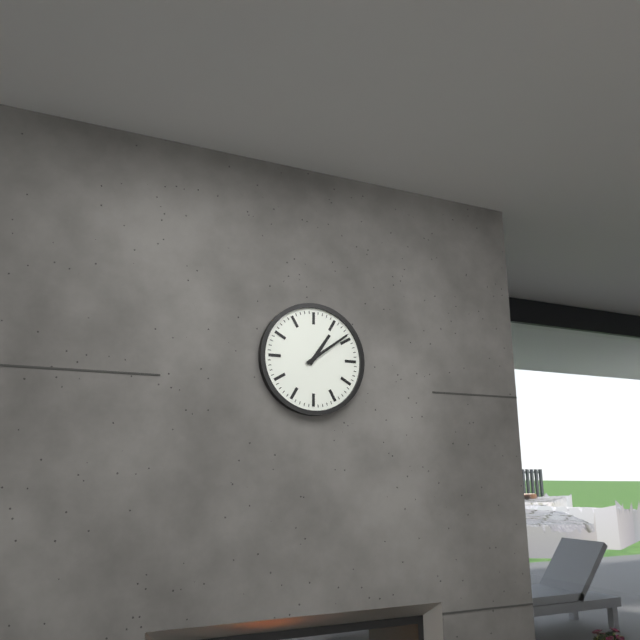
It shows 1 h 09 min
